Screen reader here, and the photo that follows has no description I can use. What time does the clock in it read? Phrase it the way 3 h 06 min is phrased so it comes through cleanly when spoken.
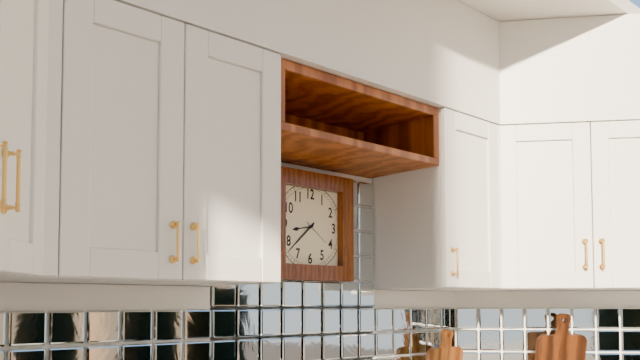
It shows 8 h 38 min
